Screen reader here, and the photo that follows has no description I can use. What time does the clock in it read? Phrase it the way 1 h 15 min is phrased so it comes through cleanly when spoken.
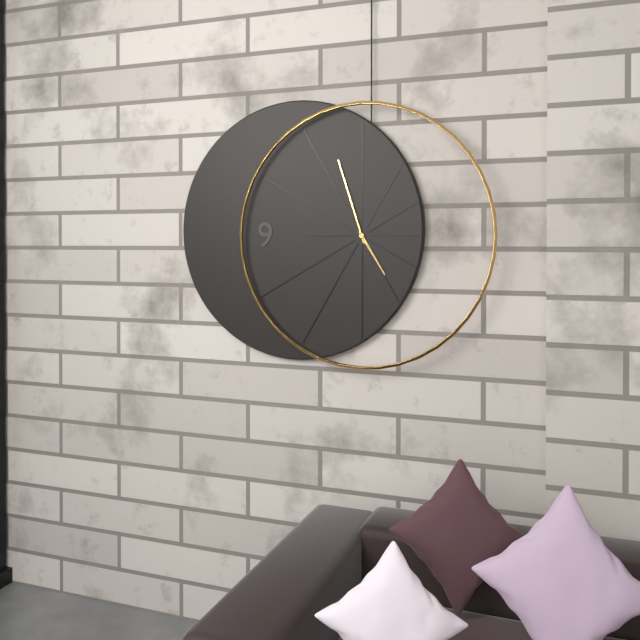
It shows 4 h 57 min
